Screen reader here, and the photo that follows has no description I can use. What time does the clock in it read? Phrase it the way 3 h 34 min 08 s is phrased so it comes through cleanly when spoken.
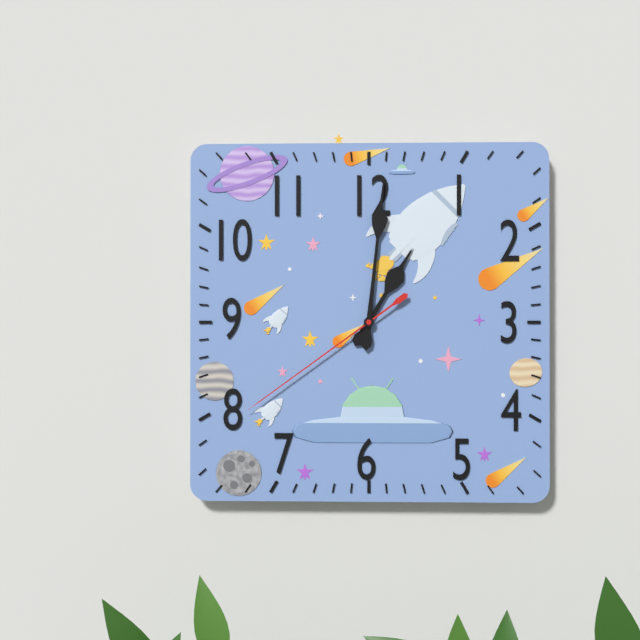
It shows 1 h 01 min 39 s
